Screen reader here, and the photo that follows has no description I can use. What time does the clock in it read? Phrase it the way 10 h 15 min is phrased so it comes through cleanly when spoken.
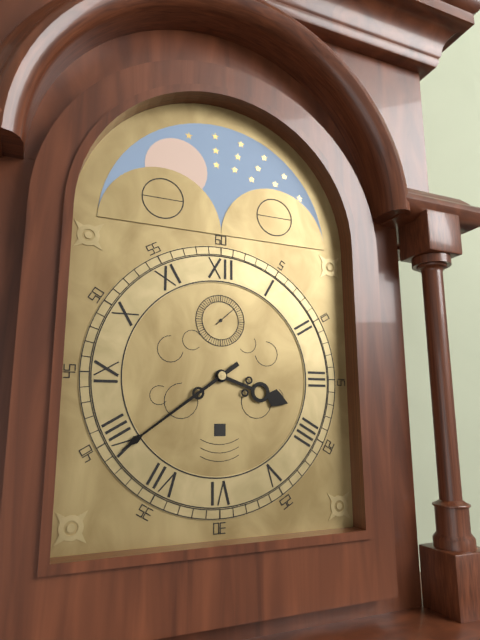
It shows 3 h 39 min
